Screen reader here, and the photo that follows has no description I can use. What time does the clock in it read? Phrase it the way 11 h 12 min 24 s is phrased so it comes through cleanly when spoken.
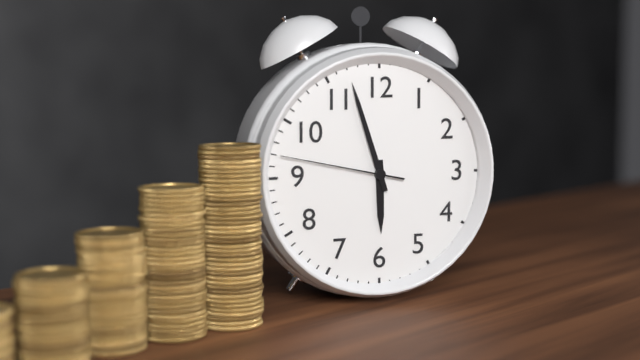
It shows 5 h 57 min 47 s
